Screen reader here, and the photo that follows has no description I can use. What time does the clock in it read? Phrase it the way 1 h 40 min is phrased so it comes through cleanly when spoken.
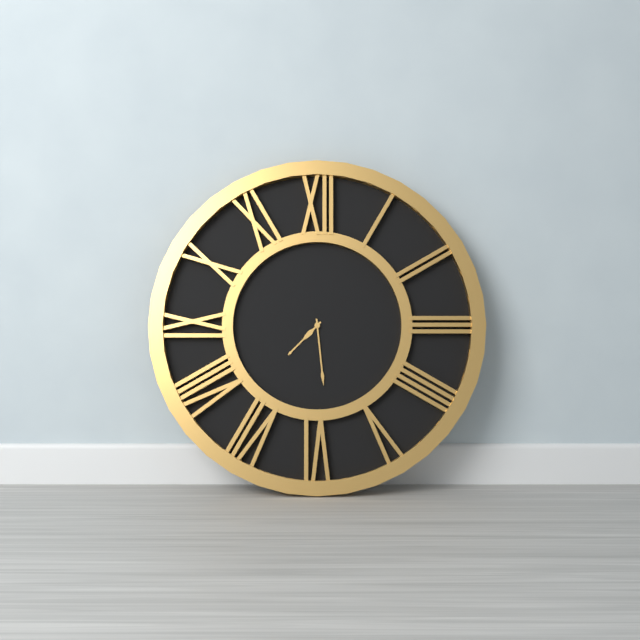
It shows 7 h 29 min
